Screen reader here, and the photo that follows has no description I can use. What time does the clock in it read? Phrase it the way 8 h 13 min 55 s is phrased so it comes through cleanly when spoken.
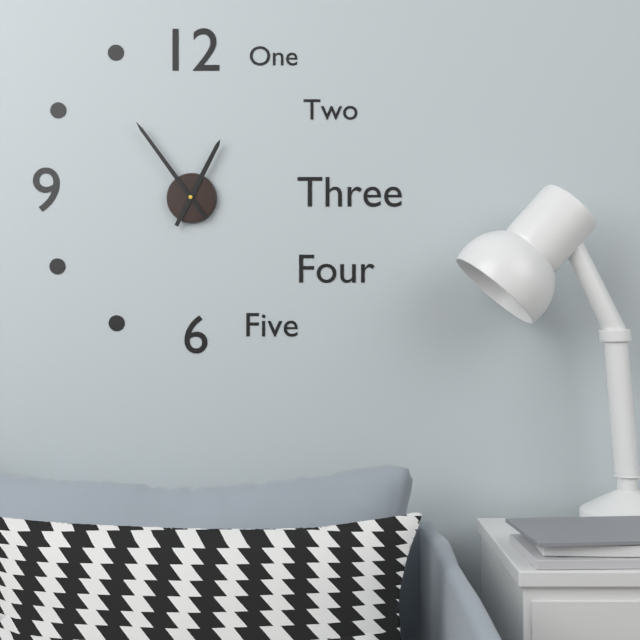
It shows 12 h 54 min 54 s
